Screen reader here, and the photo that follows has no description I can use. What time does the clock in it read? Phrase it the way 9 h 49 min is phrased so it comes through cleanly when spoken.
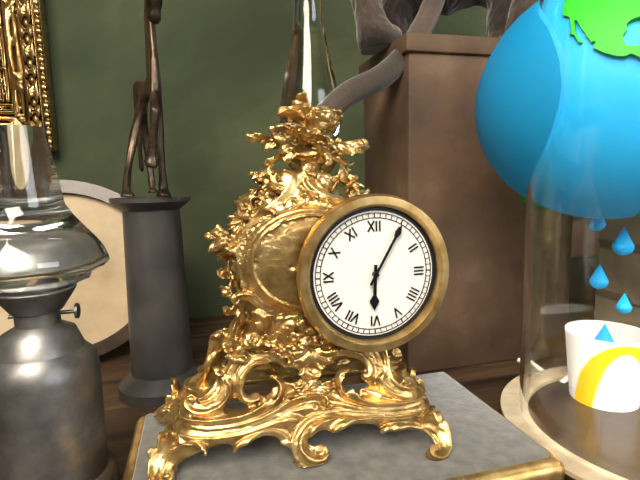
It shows 6 h 05 min
